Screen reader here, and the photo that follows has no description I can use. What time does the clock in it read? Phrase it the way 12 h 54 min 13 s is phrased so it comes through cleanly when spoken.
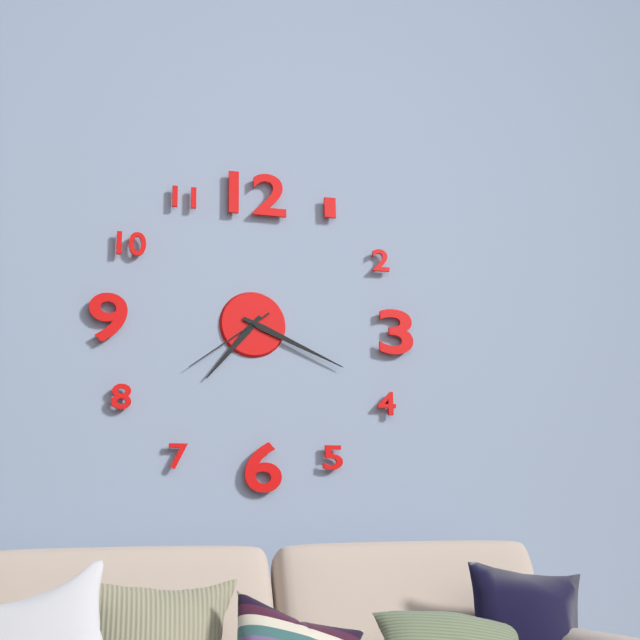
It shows 7 h 19 min 39 s
